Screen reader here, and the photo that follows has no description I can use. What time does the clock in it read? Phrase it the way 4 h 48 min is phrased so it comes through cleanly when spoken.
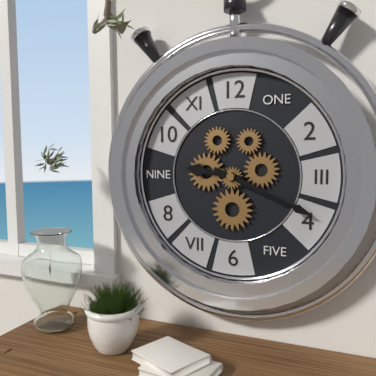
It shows 9 h 19 min
